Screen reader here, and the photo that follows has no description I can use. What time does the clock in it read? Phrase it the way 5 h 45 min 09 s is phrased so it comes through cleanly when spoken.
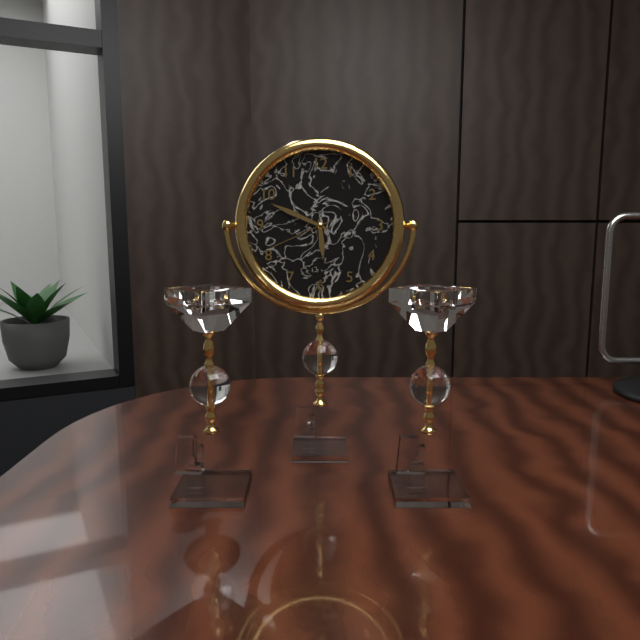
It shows 5 h 49 min 41 s
